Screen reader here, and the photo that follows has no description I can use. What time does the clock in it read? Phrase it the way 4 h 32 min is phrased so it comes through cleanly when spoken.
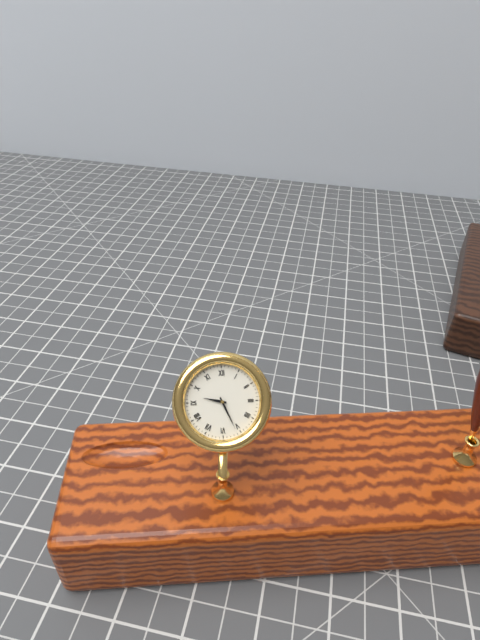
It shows 9 h 26 min
